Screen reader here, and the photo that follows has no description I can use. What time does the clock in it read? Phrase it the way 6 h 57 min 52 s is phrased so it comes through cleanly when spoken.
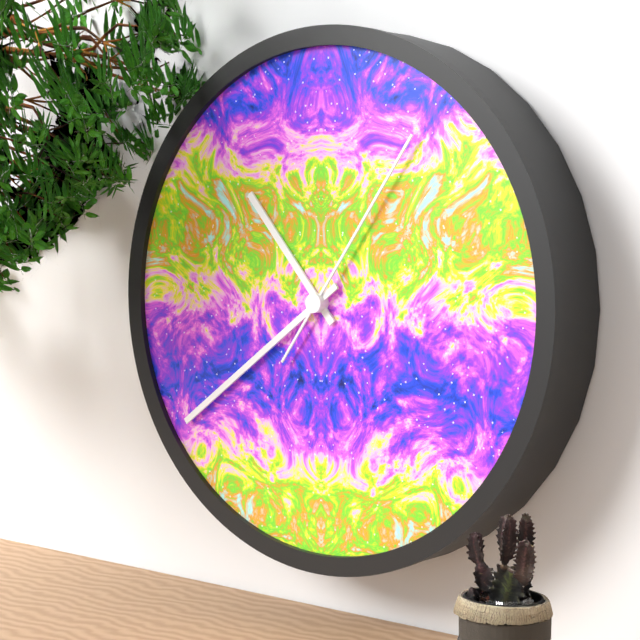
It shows 10 h 39 min 06 s
